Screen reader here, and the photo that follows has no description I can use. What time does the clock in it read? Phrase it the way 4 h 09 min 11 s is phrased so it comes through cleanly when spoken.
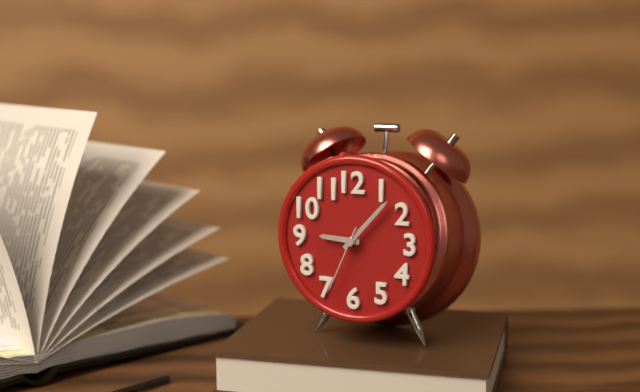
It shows 9 h 07 min 34 s
